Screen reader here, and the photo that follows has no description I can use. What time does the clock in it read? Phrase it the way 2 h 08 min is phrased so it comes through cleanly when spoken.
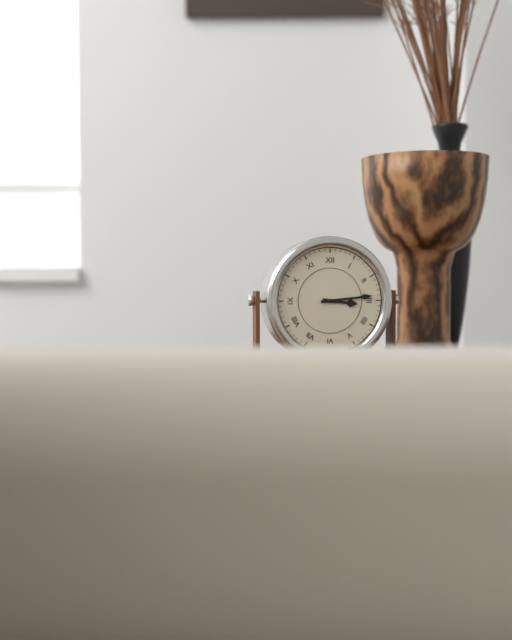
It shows 3 h 14 min
